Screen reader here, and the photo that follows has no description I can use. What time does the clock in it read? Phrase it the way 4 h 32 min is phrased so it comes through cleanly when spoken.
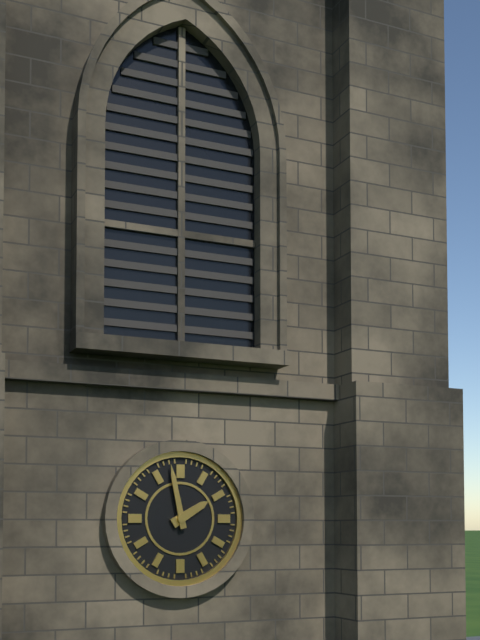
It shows 1 h 58 min
